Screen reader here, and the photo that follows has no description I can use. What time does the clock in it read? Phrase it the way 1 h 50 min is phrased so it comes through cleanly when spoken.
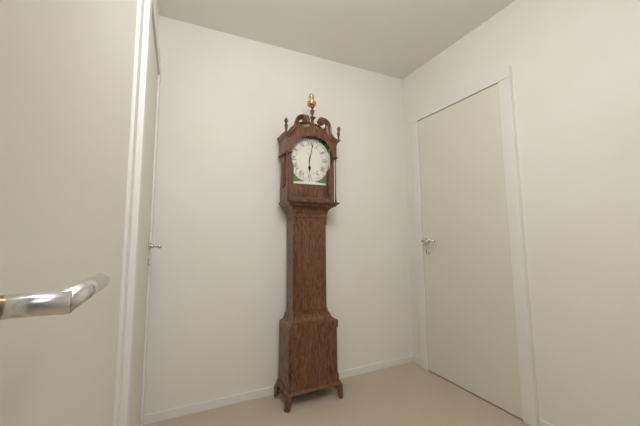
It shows 6 h 02 min
